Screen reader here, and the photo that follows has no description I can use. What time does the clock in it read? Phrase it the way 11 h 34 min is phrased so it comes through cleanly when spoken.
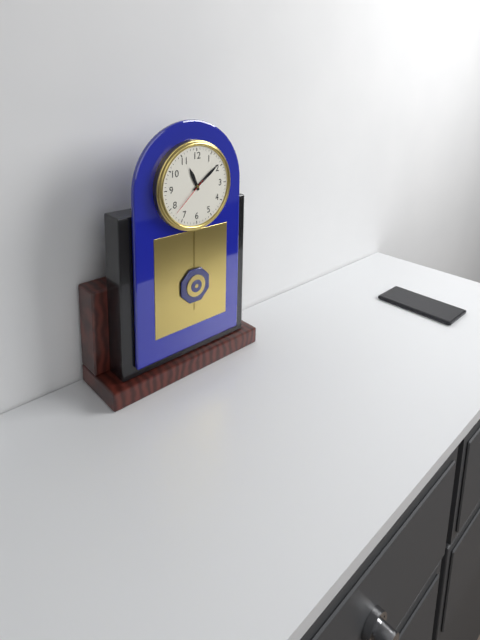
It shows 11 h 09 min
